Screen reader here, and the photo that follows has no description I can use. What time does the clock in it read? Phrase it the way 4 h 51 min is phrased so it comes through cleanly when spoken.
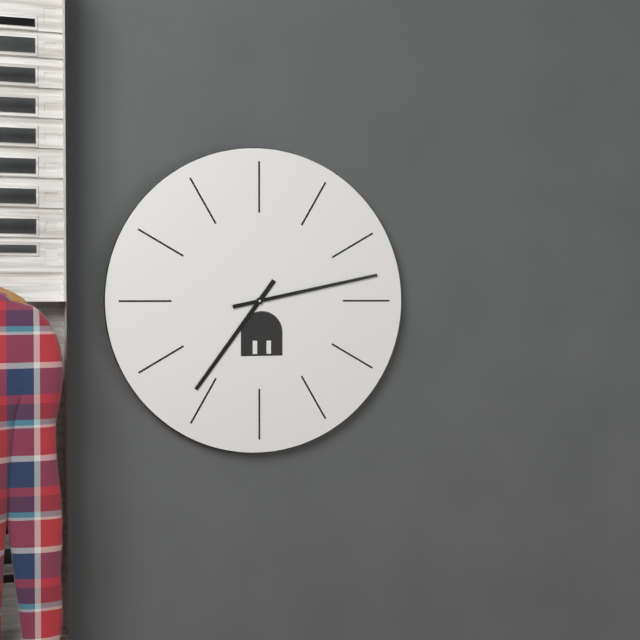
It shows 7 h 13 min
